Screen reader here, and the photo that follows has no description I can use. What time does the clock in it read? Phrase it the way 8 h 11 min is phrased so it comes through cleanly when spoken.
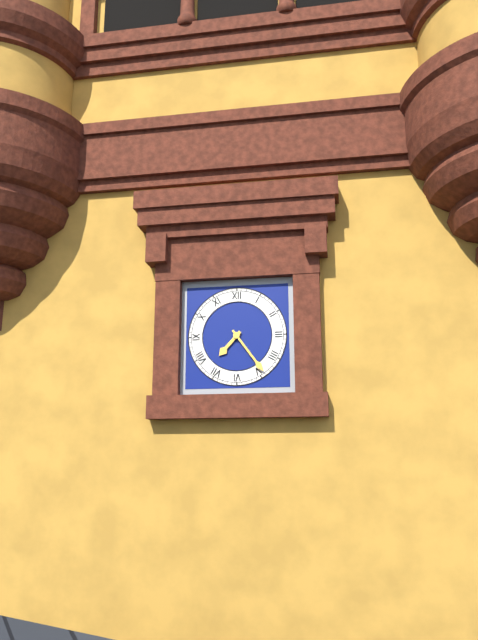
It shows 7 h 24 min
